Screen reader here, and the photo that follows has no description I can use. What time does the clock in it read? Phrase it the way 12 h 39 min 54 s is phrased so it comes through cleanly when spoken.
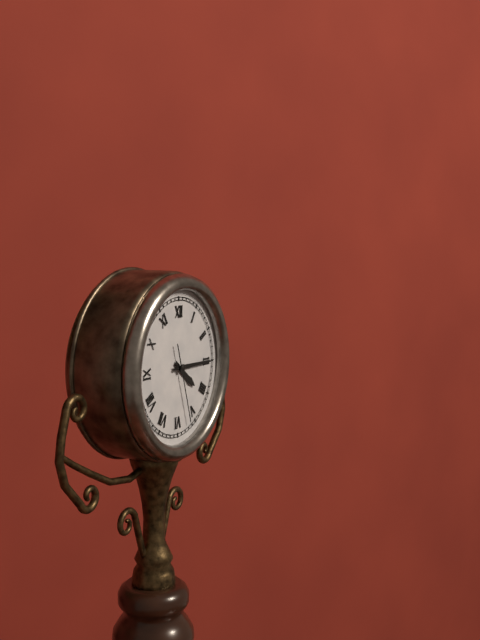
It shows 4 h 15 min 27 s
